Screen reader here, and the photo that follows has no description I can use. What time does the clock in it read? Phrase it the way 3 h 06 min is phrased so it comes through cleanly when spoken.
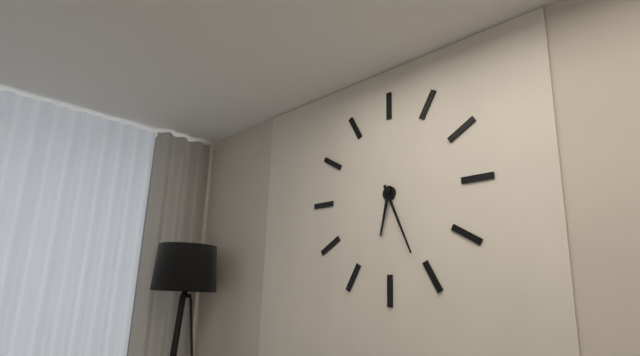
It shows 6 h 26 min
